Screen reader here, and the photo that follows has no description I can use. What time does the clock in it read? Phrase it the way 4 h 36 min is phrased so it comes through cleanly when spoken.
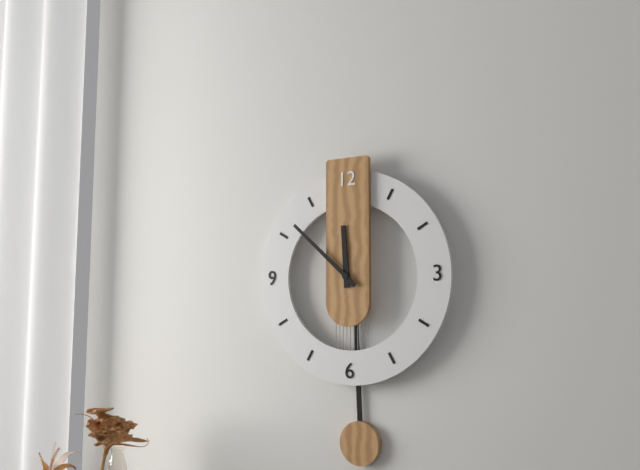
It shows 11 h 52 min
